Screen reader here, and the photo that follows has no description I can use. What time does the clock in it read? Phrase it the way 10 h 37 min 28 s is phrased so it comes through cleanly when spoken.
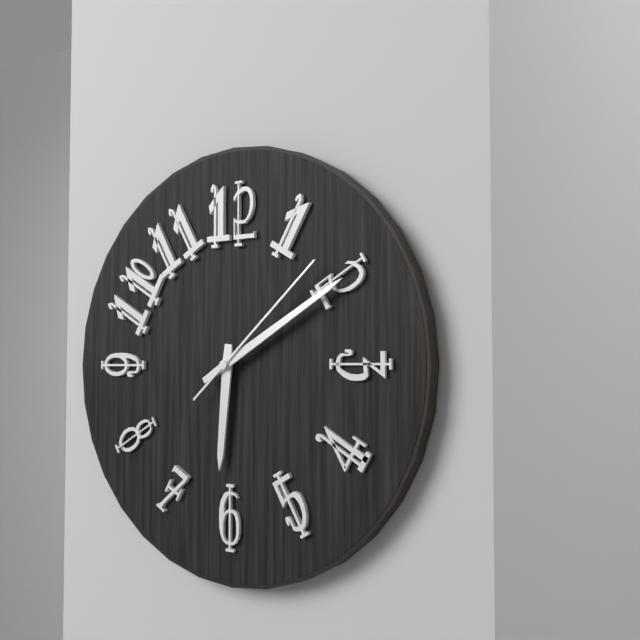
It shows 6 h 10 min 08 s
